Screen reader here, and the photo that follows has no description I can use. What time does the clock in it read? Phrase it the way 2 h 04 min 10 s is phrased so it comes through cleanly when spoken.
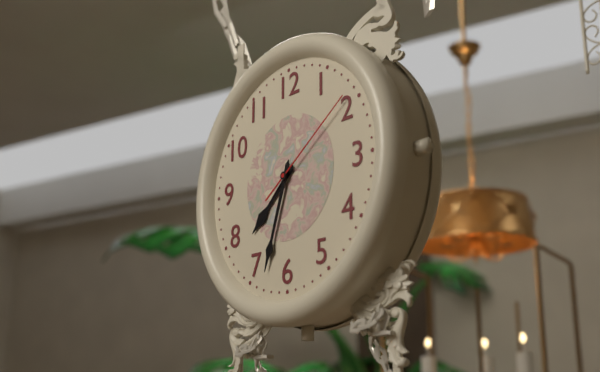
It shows 7 h 33 min 09 s
